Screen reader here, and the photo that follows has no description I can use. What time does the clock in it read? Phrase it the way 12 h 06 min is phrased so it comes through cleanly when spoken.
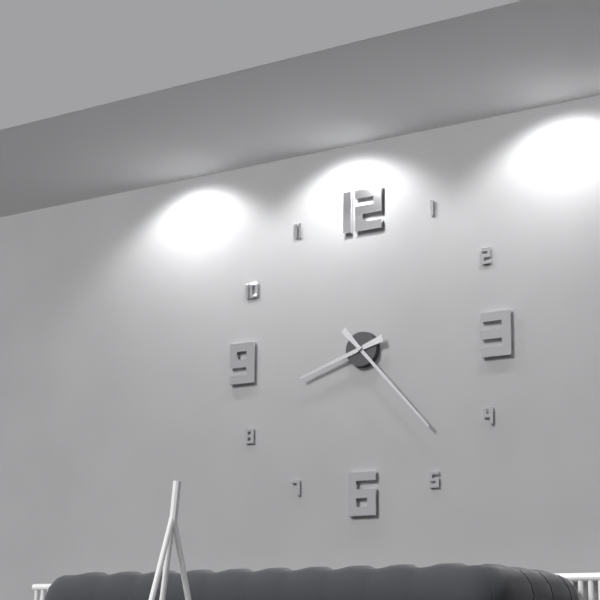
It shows 8 h 23 min
